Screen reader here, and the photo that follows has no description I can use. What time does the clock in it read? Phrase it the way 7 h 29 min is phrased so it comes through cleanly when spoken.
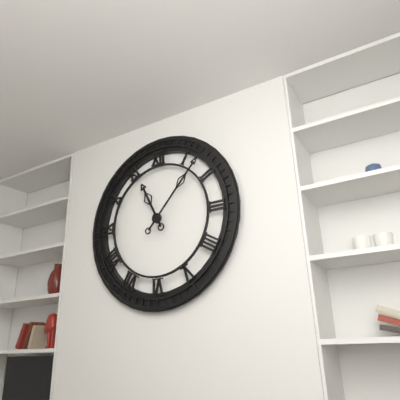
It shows 11 h 07 min
